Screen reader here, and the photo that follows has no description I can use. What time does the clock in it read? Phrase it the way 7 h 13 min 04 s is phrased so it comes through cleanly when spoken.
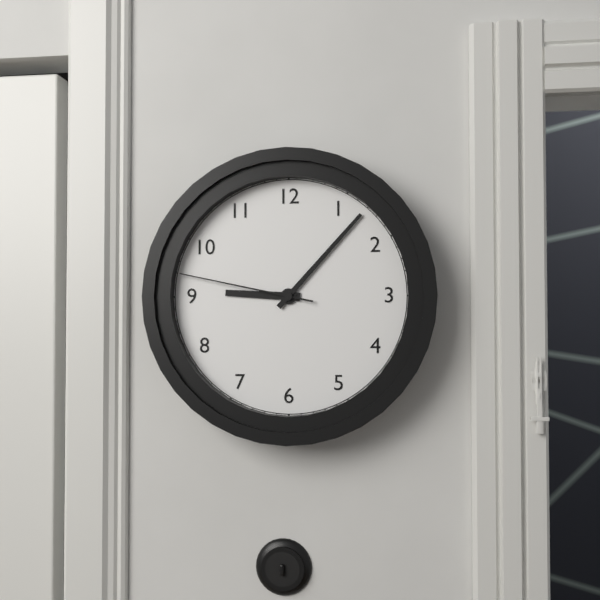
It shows 9 h 07 min 47 s
